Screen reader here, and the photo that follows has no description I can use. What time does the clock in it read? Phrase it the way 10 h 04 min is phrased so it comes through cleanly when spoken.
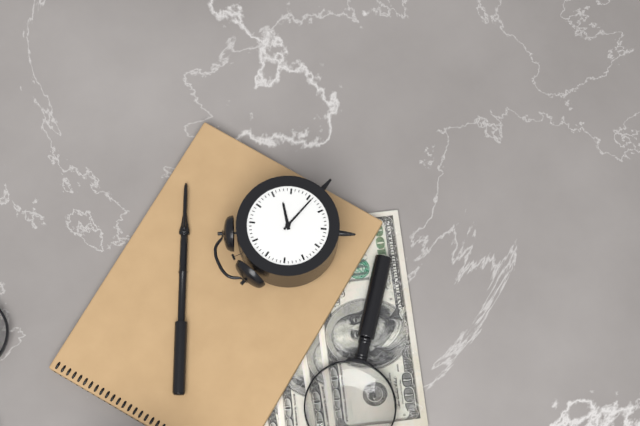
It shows 3 h 26 min
